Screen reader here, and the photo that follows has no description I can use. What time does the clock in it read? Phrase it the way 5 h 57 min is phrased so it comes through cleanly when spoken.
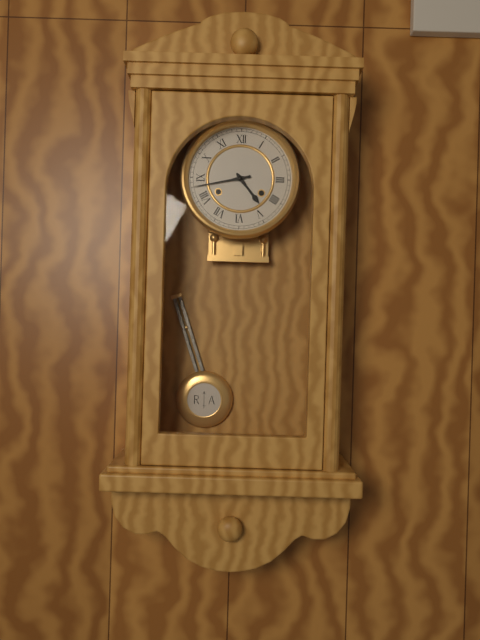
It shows 4 h 43 min
